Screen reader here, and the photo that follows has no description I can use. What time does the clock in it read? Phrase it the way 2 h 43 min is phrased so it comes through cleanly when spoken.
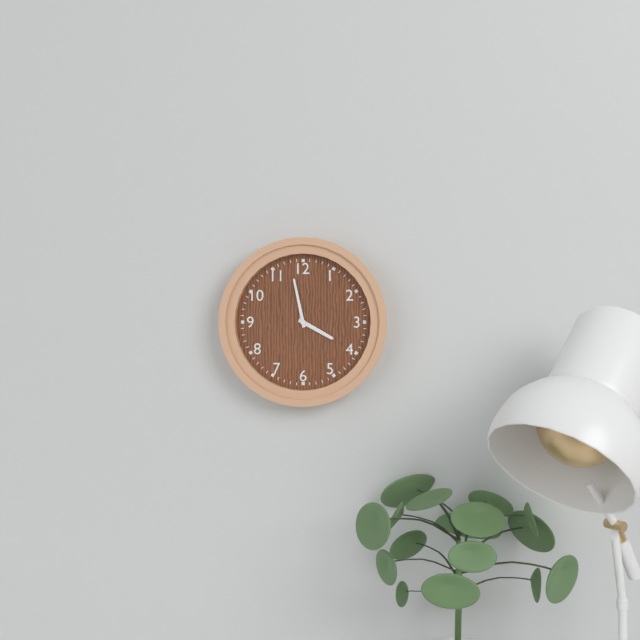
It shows 3 h 58 min
